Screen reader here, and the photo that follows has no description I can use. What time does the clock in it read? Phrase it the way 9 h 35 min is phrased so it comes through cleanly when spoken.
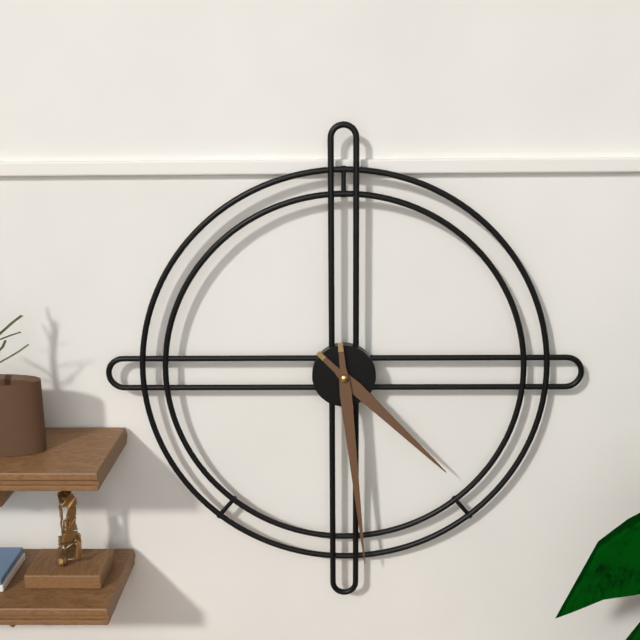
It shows 4 h 29 min
